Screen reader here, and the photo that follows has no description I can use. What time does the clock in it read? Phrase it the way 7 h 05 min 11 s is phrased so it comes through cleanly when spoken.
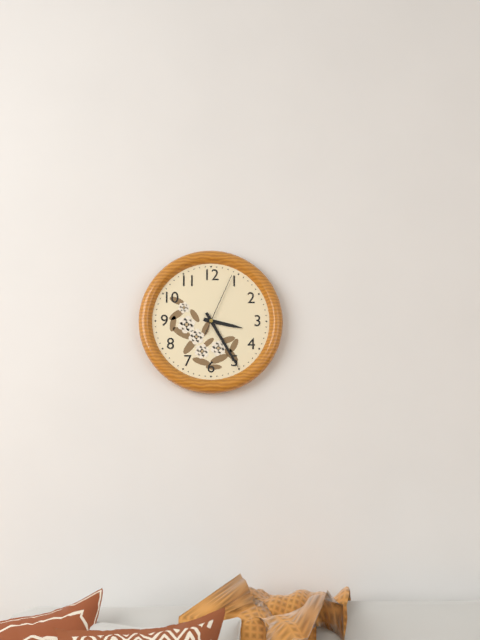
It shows 3 h 25 min 04 s
